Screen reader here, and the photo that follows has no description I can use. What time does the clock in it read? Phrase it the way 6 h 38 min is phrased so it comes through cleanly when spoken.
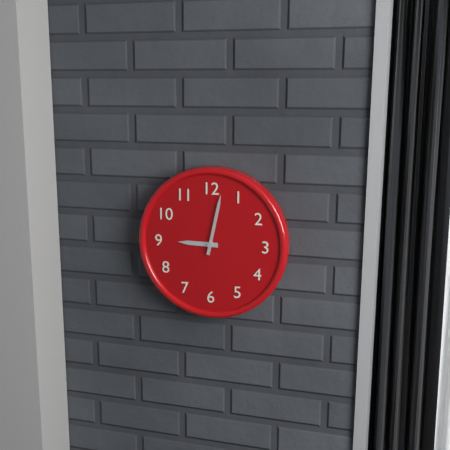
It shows 9 h 02 min
